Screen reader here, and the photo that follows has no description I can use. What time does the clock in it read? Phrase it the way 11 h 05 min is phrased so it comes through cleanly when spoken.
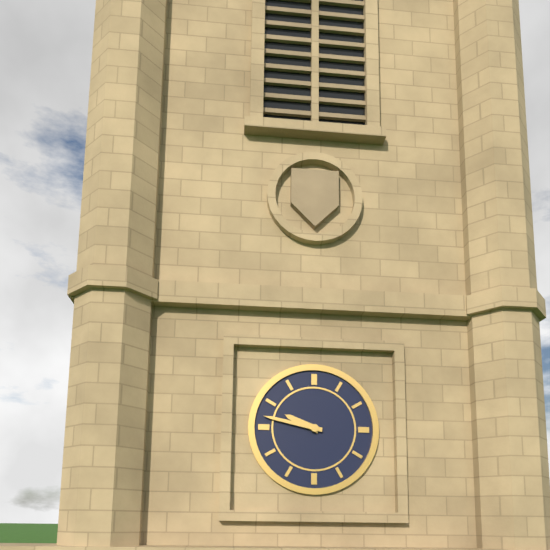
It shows 9 h 47 min
